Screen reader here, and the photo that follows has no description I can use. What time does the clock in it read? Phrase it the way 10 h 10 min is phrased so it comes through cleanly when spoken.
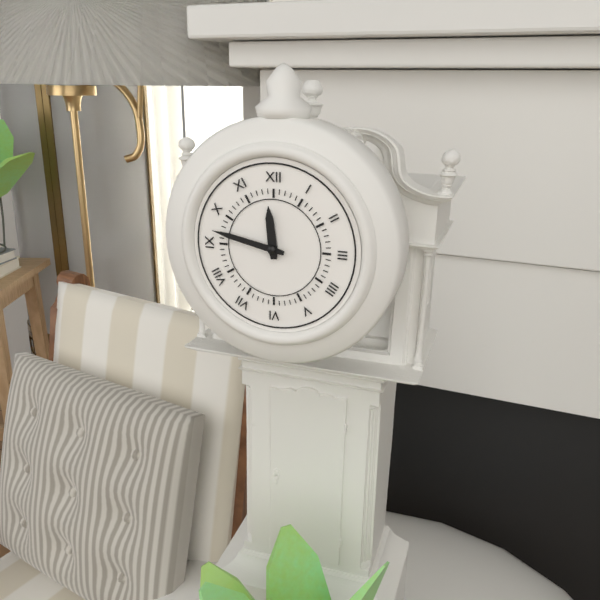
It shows 11 h 47 min
